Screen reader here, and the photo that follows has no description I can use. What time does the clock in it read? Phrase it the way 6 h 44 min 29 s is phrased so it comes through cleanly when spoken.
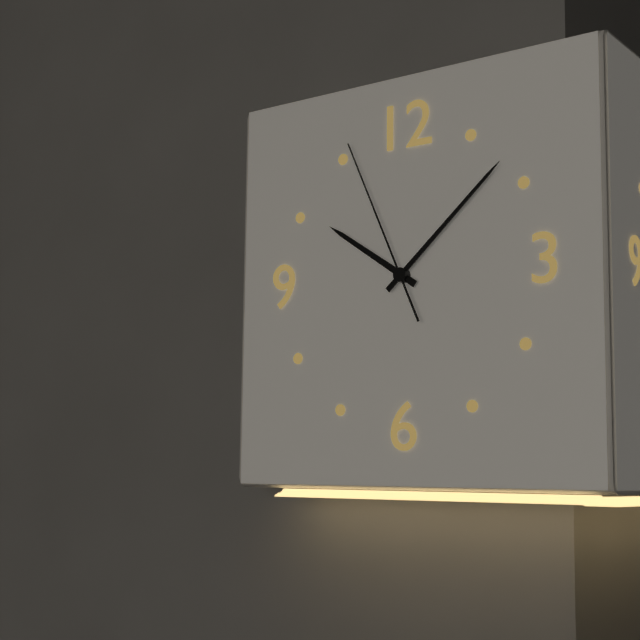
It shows 10 h 08 min 56 s
